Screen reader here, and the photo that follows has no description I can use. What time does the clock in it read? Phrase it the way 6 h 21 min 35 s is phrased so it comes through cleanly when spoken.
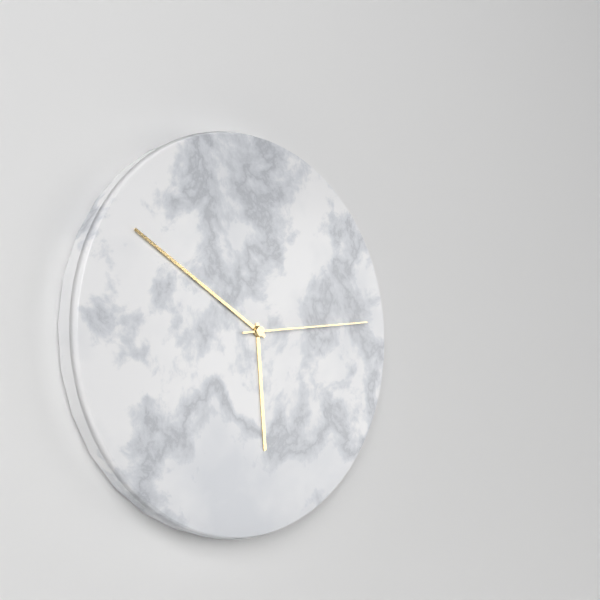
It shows 5 h 50 min 14 s
